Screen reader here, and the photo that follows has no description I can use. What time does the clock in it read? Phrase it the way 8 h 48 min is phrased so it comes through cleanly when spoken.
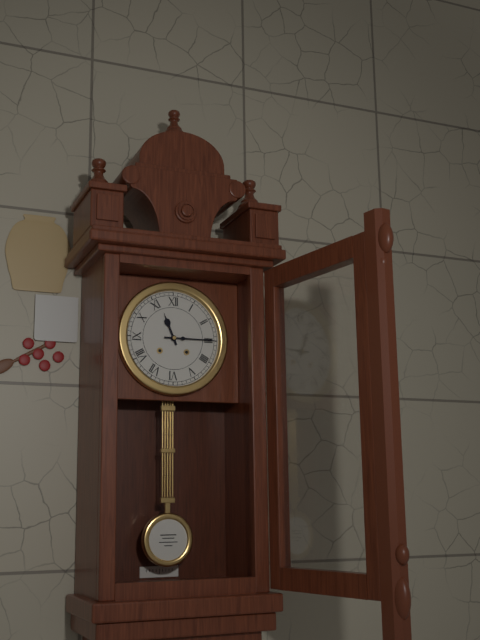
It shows 11 h 15 min
